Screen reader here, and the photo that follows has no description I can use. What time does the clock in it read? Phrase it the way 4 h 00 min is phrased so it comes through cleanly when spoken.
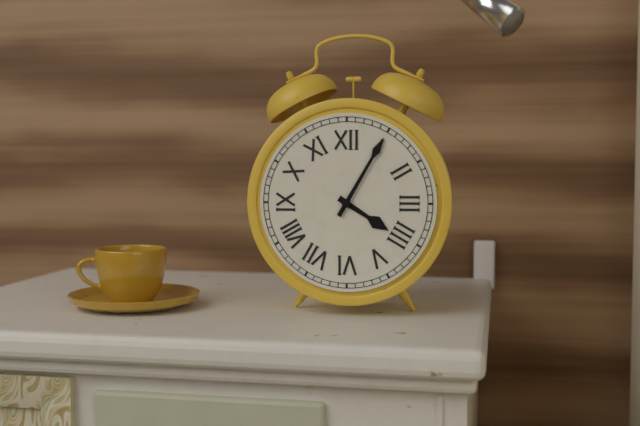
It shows 4 h 05 min
